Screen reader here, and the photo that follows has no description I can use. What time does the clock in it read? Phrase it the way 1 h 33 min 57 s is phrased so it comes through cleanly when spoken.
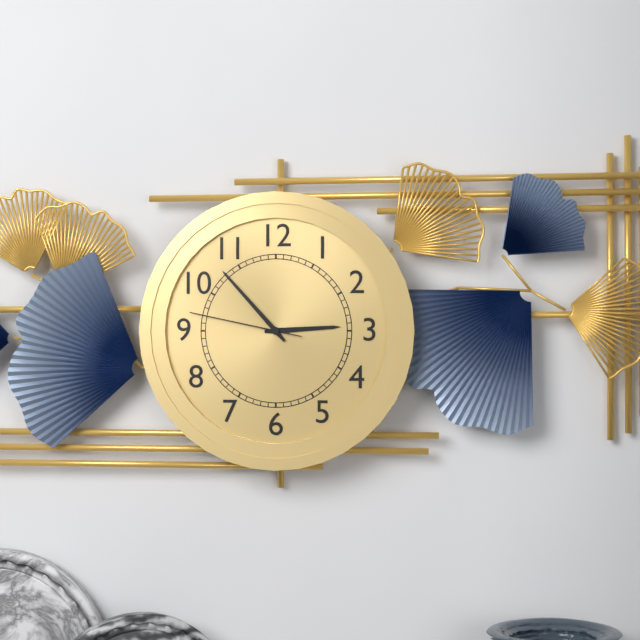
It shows 2 h 53 min 47 s
